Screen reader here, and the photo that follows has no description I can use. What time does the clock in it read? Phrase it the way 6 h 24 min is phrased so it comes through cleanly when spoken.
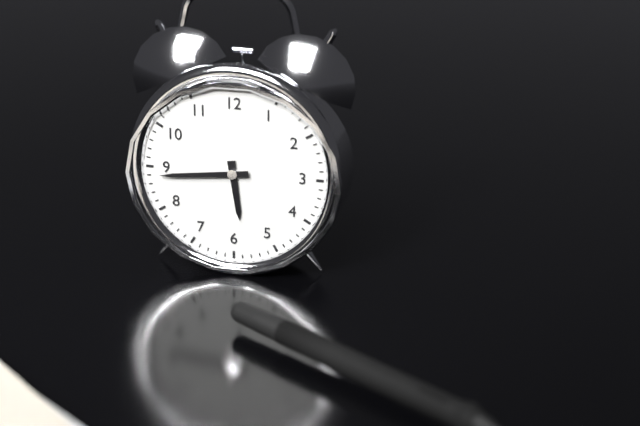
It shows 5 h 44 min
